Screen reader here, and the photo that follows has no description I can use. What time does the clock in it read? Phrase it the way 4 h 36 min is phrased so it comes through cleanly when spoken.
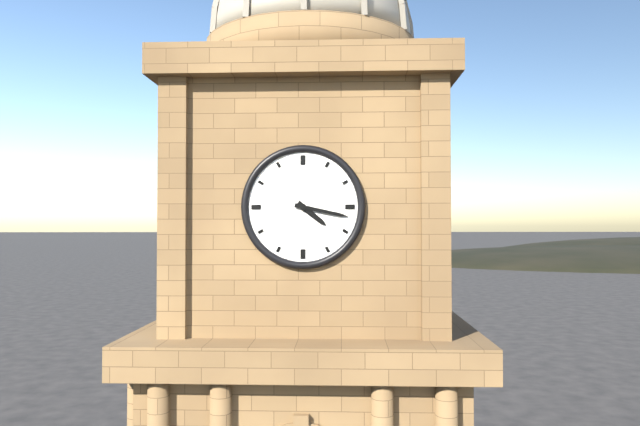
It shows 4 h 17 min
